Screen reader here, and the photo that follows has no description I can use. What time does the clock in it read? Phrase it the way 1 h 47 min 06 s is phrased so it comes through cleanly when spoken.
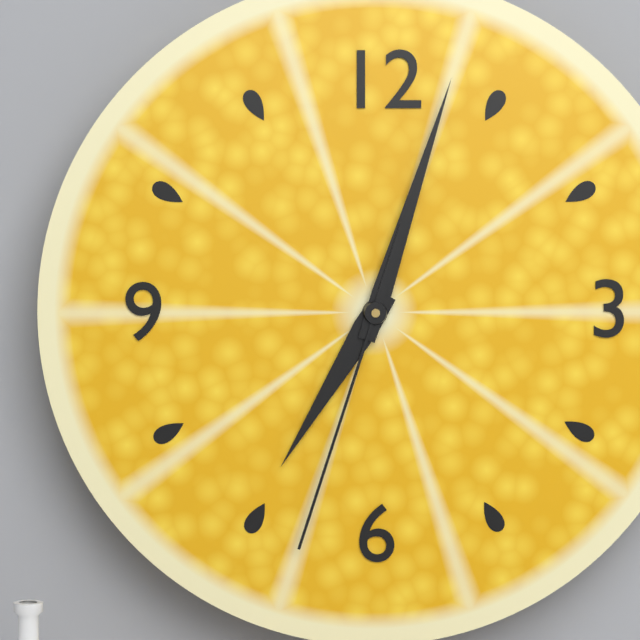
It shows 7 h 03 min 33 s
